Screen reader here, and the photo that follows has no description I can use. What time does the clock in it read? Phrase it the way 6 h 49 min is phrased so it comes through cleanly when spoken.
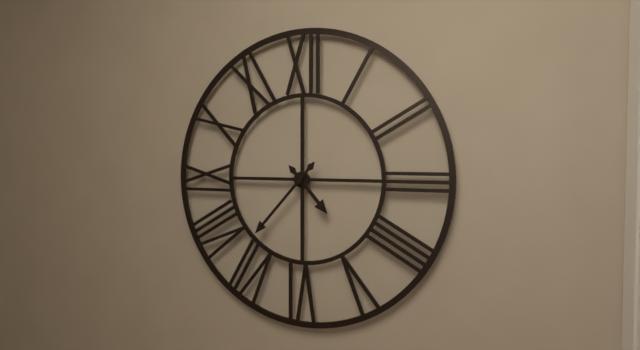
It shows 4 h 37 min
